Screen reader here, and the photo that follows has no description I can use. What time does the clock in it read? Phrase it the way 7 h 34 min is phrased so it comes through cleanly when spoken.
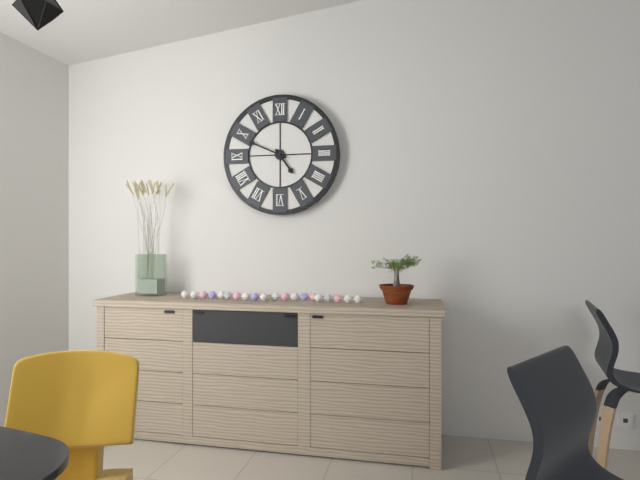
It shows 4 h 49 min
